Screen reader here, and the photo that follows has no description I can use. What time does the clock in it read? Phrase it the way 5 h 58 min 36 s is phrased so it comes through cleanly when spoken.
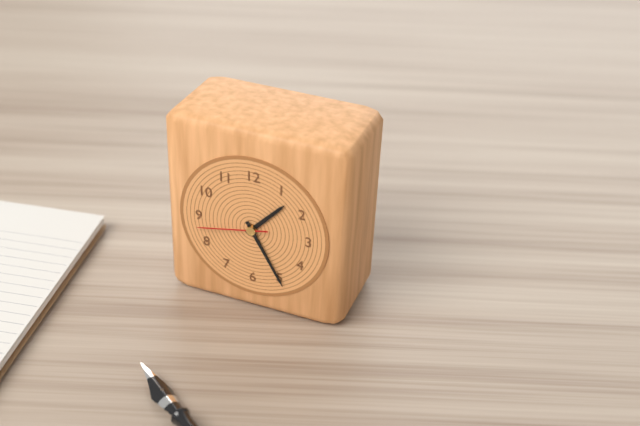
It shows 1 h 25 min 43 s
